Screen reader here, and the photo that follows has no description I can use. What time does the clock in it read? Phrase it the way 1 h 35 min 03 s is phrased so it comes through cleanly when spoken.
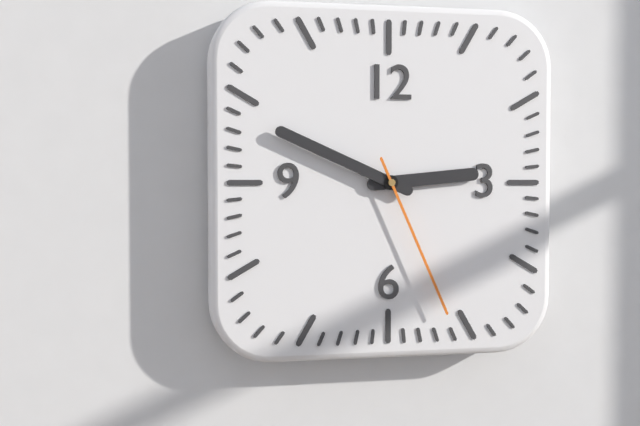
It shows 2 h 49 min 26 s
